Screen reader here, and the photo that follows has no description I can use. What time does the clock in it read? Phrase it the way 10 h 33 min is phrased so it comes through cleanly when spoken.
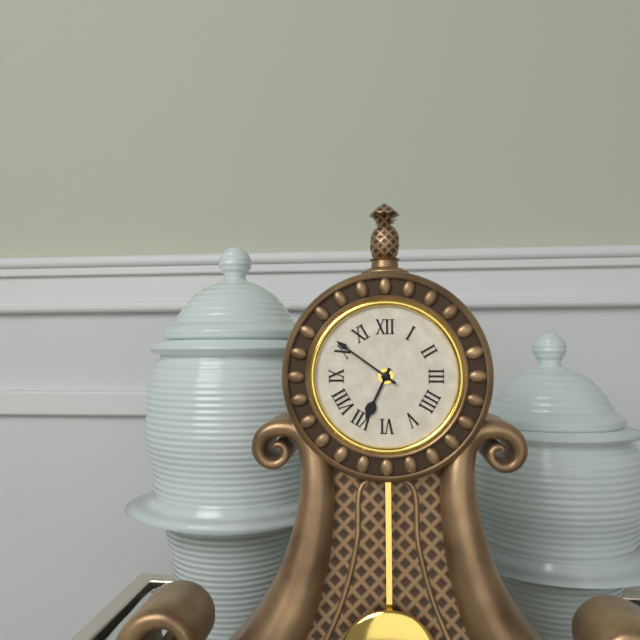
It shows 6 h 51 min
